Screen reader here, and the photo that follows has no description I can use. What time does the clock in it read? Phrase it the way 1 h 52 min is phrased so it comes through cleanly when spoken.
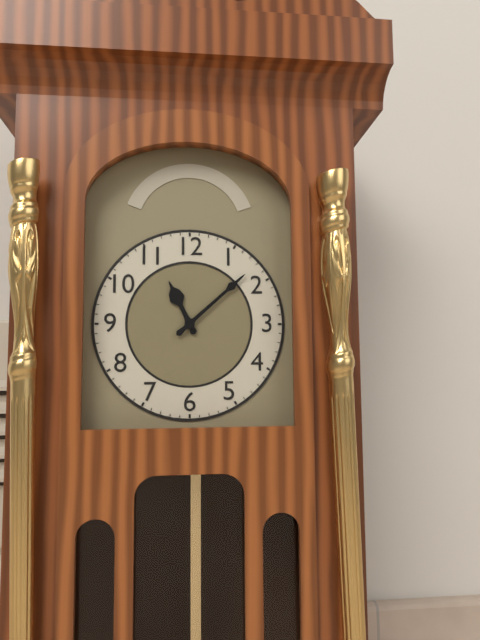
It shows 11 h 08 min
